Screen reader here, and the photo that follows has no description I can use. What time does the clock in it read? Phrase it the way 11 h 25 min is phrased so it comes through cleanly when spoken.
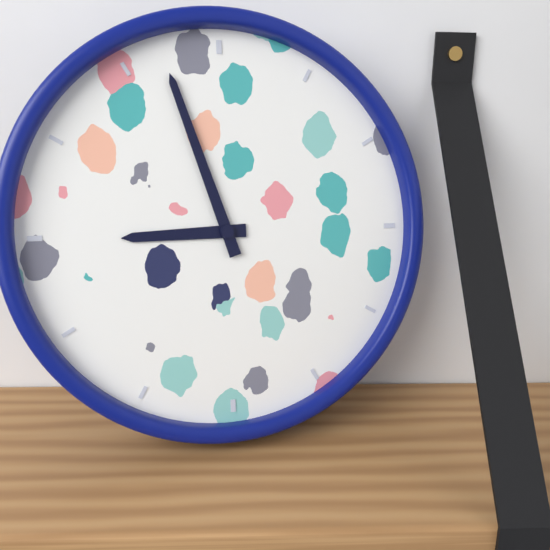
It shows 8 h 57 min
